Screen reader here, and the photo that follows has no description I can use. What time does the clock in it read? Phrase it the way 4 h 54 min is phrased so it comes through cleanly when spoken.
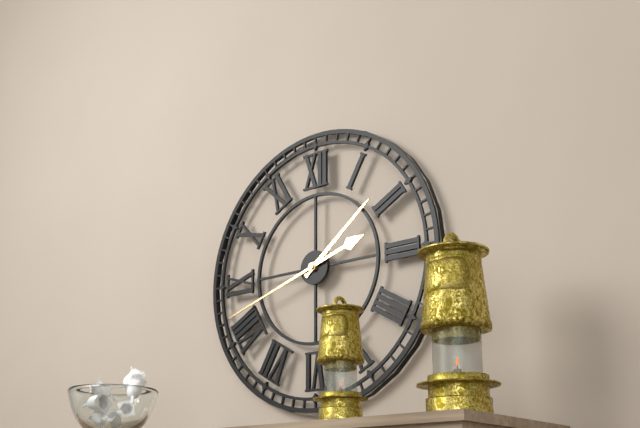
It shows 1 h 42 min
